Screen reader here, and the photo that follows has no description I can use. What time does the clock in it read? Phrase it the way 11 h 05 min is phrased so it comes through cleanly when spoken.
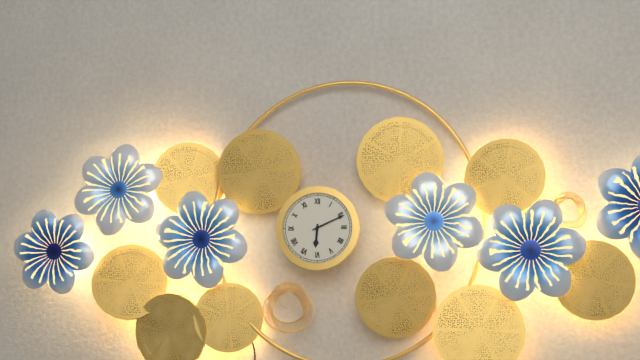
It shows 6 h 11 min
